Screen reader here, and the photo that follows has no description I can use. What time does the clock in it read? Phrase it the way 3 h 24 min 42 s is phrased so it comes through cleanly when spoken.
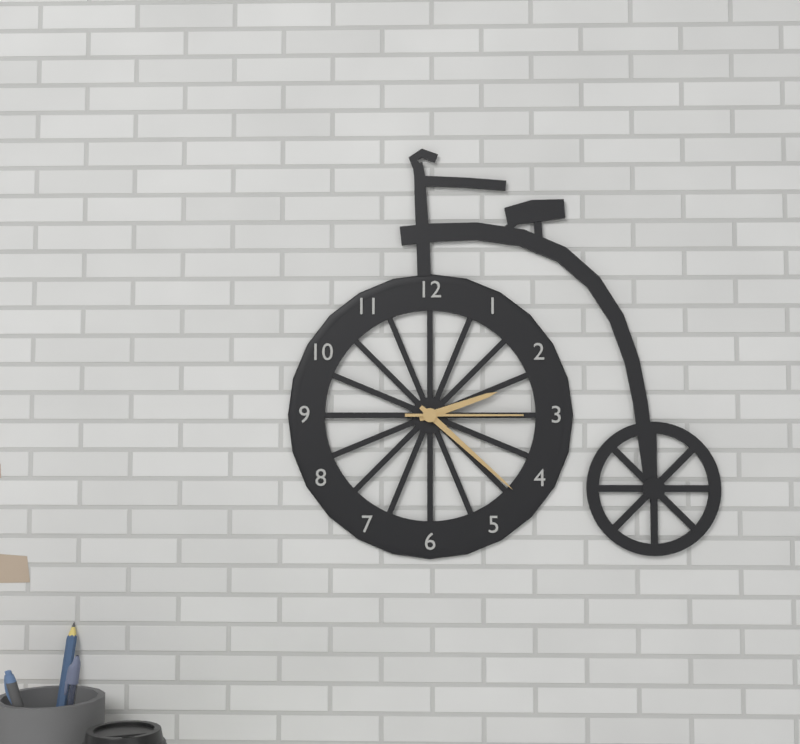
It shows 2 h 22 min 15 s
